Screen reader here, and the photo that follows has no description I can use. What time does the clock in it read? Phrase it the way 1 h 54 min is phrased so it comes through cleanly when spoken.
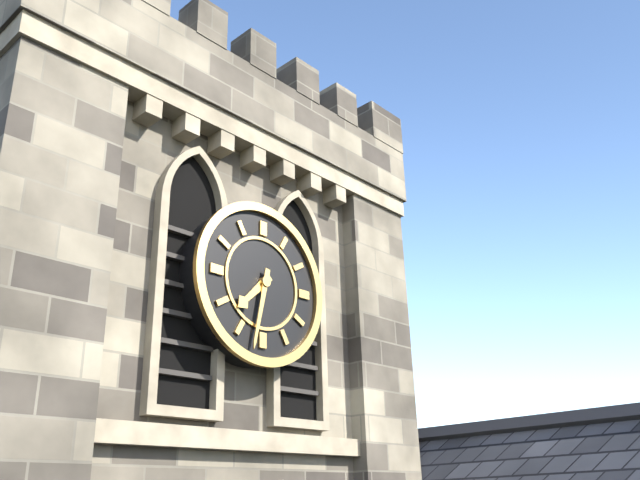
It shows 7 h 32 min
